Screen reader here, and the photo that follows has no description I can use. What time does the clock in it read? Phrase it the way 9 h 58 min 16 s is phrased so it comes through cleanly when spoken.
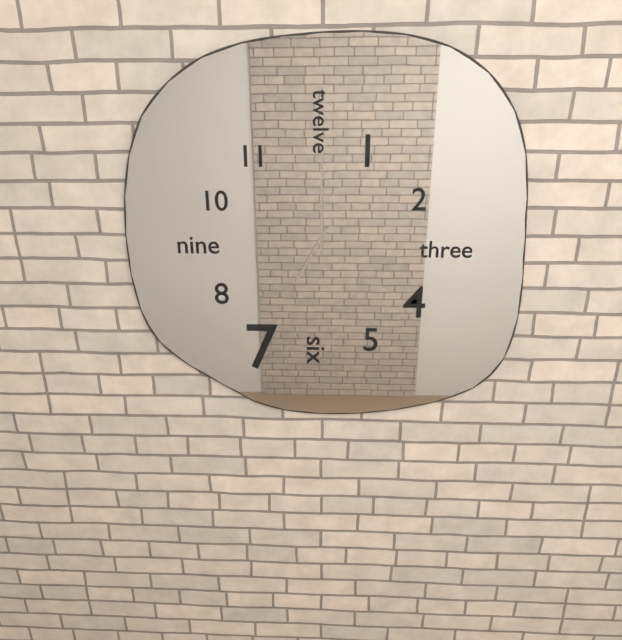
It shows 7 h 00 min 00 s
